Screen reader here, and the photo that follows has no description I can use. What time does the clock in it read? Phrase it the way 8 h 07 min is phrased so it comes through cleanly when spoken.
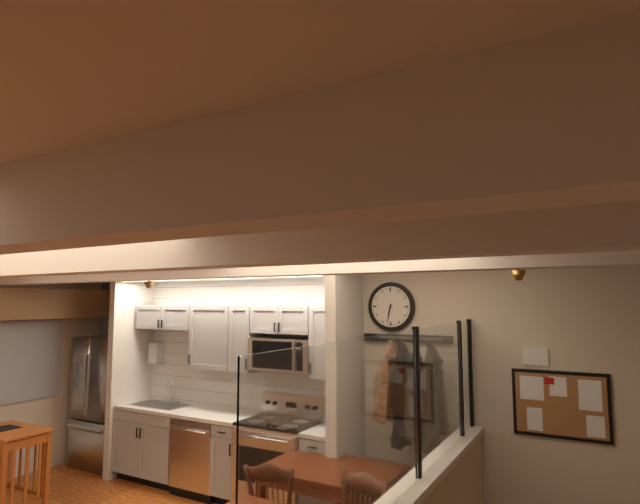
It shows 6 h 32 min
